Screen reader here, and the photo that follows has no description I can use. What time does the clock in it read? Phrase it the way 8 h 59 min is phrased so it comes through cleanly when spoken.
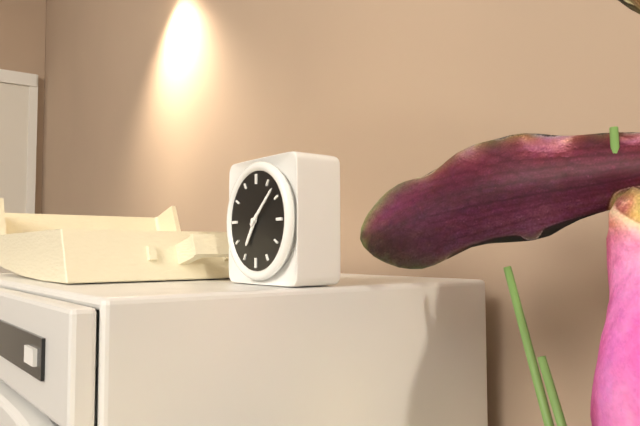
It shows 7 h 08 min
